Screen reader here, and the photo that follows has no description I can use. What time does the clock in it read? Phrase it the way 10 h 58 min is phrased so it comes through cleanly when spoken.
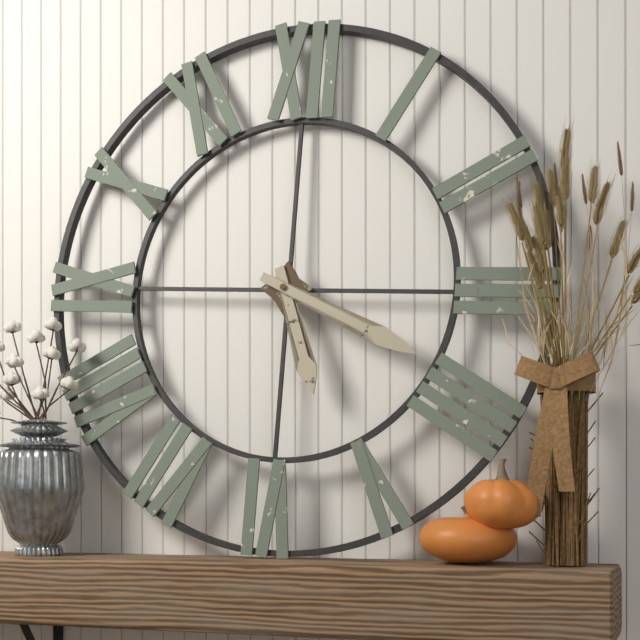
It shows 5 h 19 min
